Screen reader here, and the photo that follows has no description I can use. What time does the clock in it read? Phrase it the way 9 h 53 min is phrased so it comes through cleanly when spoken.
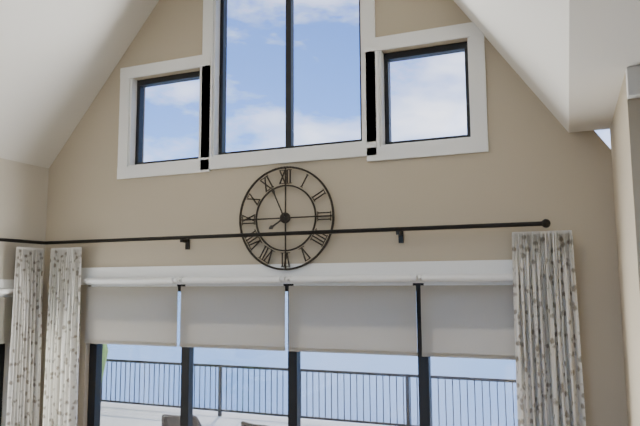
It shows 7 h 56 min
